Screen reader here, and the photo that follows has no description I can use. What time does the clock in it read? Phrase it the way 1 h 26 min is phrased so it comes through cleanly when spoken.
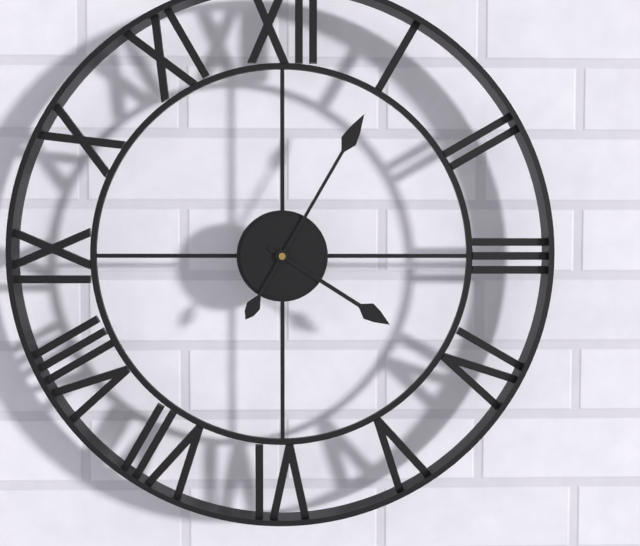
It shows 4 h 05 min
